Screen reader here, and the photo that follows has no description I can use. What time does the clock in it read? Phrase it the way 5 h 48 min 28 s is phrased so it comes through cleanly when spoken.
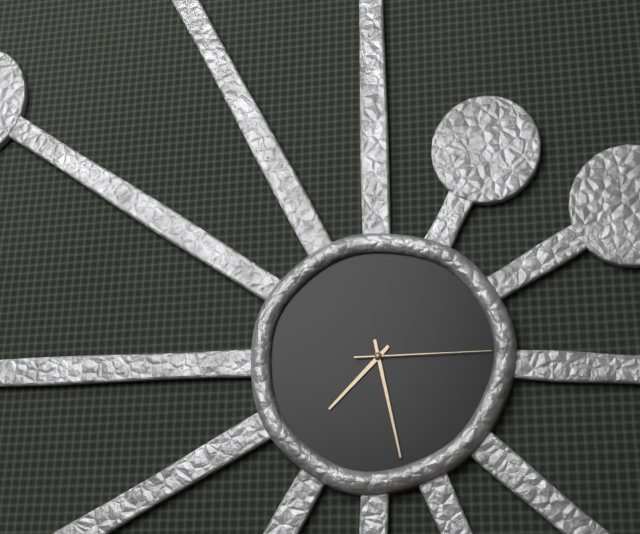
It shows 7 h 28 min 15 s
